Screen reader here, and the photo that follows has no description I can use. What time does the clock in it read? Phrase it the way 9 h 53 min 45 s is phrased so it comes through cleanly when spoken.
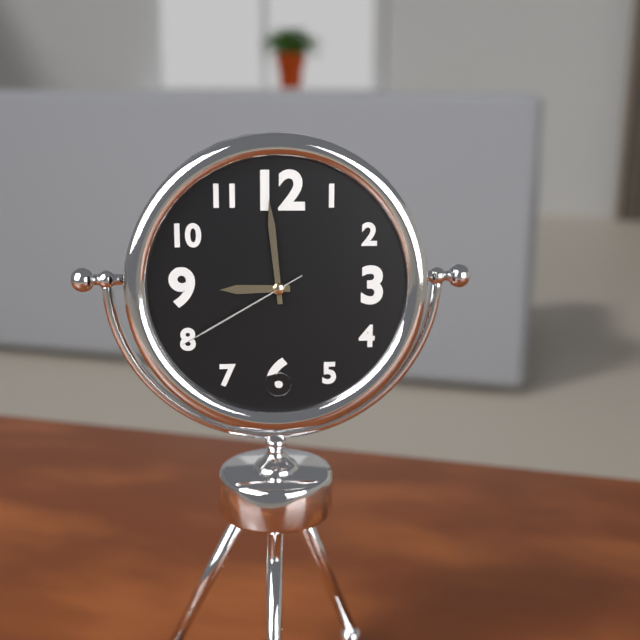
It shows 8 h 59 min 40 s
